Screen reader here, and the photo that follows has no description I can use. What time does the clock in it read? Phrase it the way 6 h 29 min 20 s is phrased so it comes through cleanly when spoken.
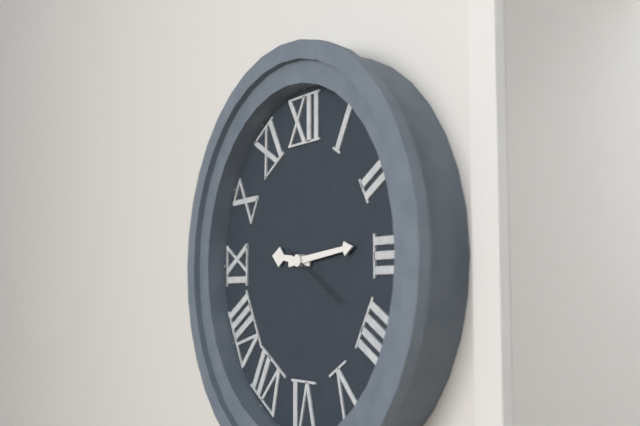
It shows 9 h 14 min 20 s
